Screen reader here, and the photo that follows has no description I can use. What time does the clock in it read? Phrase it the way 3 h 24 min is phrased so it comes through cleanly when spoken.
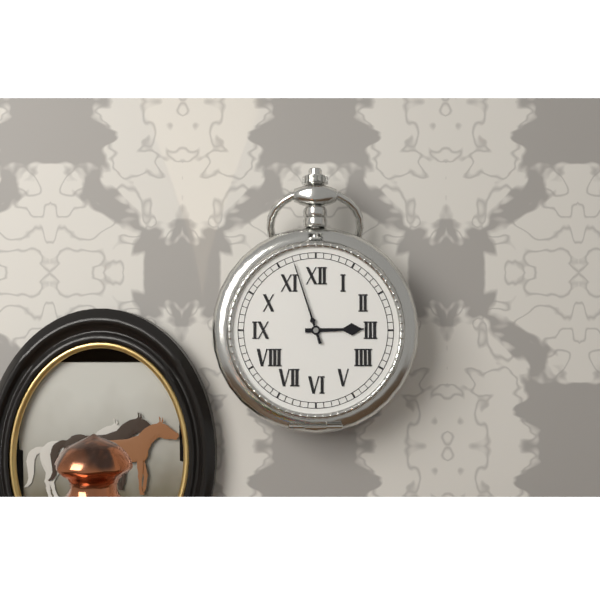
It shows 2 h 57 min
